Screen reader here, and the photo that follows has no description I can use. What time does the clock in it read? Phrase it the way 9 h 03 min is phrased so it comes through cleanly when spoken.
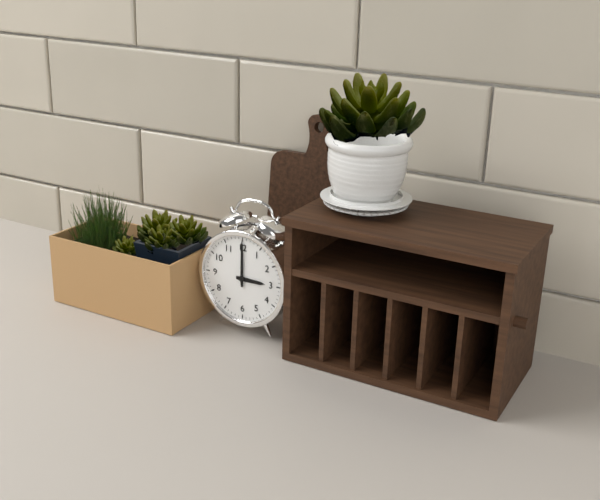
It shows 3 h 00 min
